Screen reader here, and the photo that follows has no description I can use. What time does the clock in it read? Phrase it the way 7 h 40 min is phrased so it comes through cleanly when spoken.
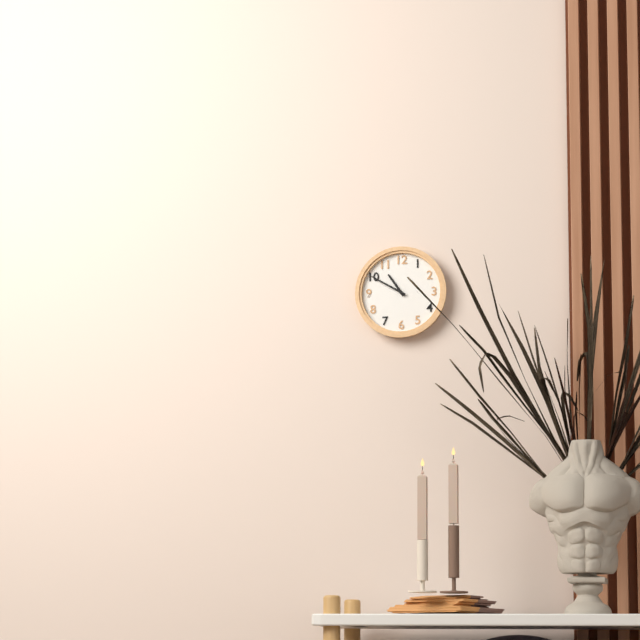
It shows 10 h 50 min
